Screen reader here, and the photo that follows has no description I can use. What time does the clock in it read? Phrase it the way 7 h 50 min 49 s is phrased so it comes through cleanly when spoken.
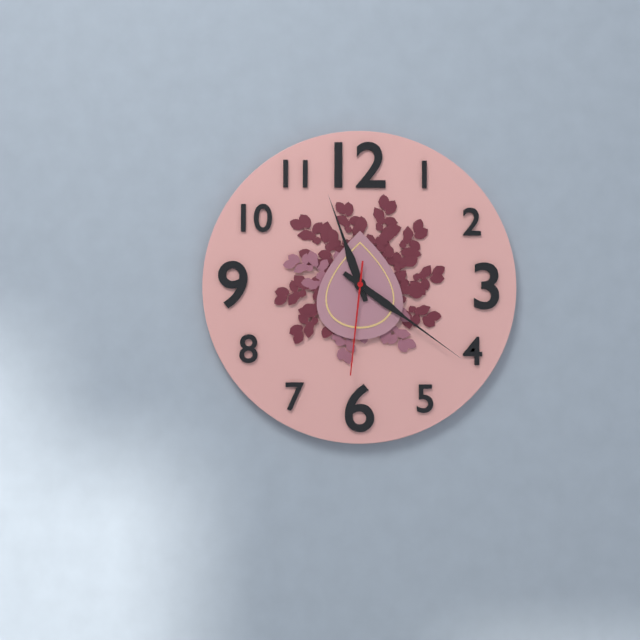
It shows 11 h 21 min 31 s
